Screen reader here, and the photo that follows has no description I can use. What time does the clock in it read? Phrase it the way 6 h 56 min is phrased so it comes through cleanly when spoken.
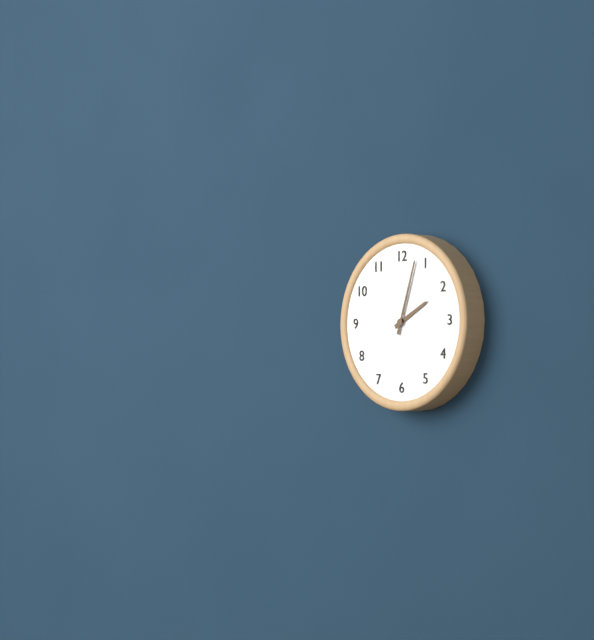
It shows 2 h 03 min
